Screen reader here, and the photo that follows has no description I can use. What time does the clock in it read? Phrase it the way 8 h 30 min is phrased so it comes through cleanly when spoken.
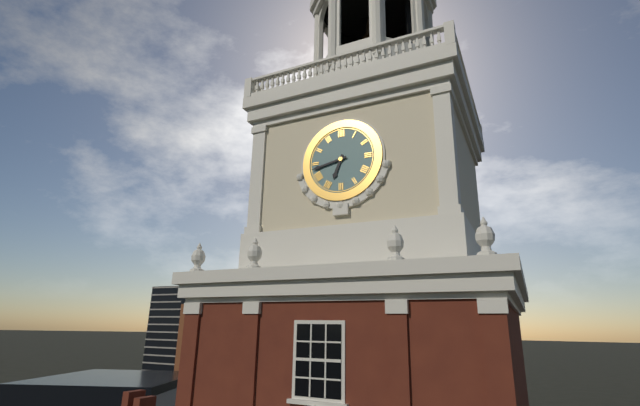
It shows 6 h 43 min
